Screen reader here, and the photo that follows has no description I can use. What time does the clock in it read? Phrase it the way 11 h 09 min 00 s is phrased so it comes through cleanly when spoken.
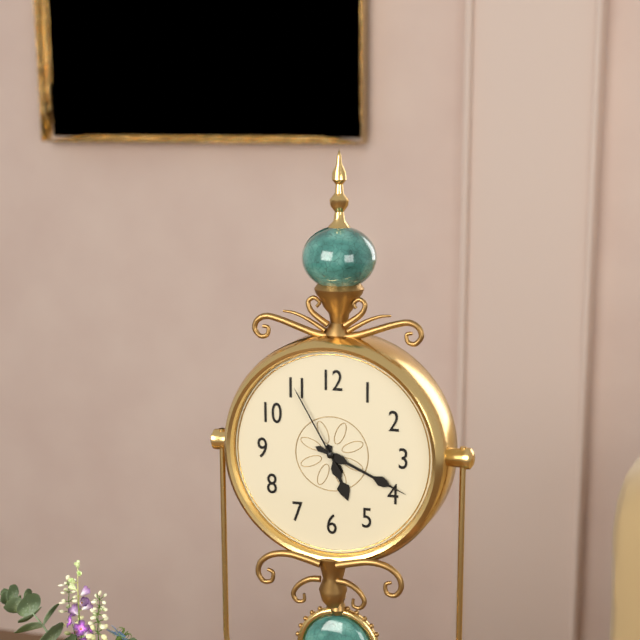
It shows 5 h 19 min 55 s
